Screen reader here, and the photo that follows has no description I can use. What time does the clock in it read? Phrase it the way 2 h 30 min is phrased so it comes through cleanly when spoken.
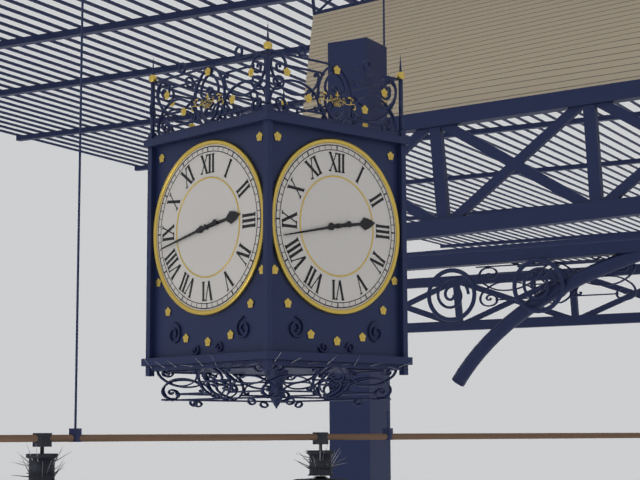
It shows 2 h 43 min
